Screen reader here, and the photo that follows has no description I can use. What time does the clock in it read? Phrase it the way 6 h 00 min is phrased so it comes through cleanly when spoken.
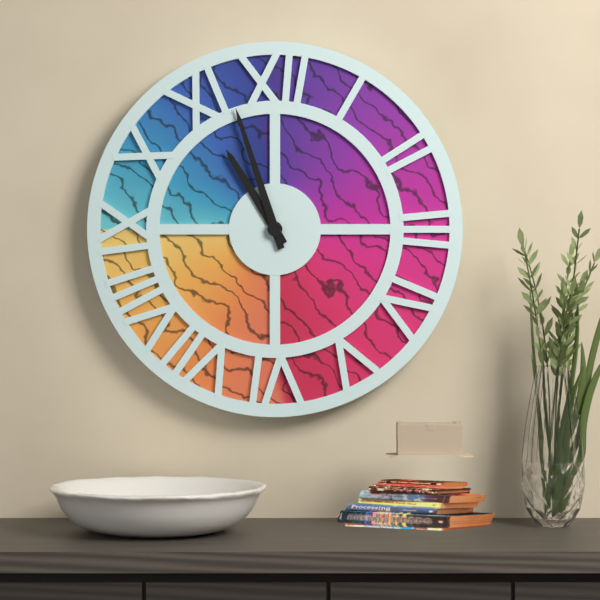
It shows 10 h 57 min
